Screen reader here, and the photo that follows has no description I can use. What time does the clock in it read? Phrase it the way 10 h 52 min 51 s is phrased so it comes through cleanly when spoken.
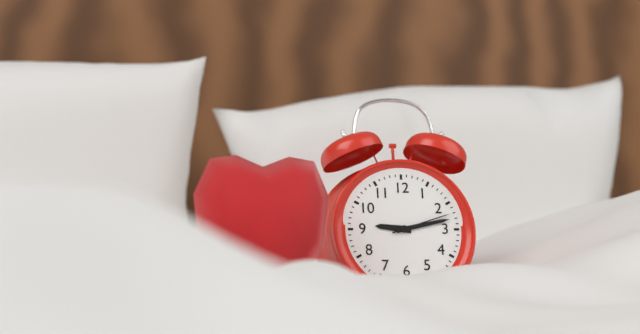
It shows 9 h 13 min 12 s
